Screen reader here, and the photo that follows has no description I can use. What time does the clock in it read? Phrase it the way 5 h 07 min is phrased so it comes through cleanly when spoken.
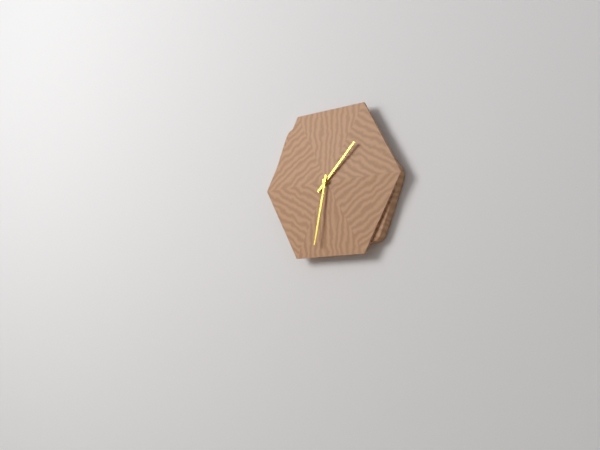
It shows 1 h 32 min
